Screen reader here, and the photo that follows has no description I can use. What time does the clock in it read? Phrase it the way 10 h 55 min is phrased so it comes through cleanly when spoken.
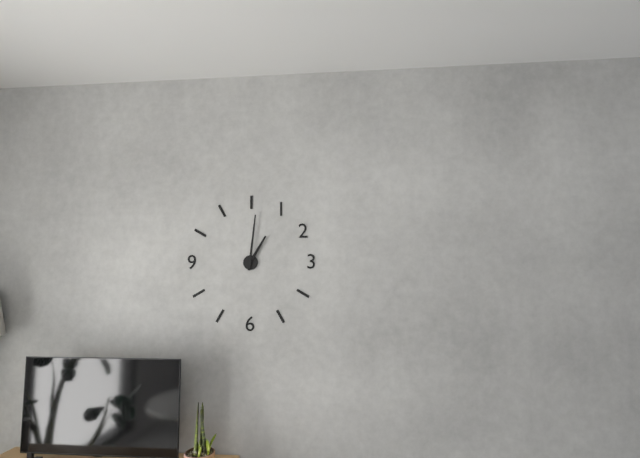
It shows 1 h 01 min
